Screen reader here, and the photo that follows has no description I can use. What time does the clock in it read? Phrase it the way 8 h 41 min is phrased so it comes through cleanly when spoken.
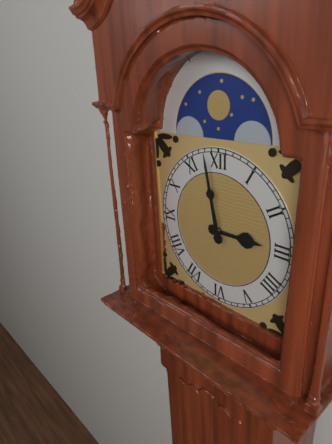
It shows 2 h 58 min
